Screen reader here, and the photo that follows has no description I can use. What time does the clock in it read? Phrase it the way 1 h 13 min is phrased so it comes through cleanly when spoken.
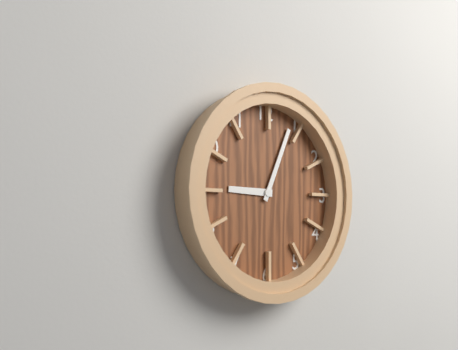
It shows 9 h 04 min
